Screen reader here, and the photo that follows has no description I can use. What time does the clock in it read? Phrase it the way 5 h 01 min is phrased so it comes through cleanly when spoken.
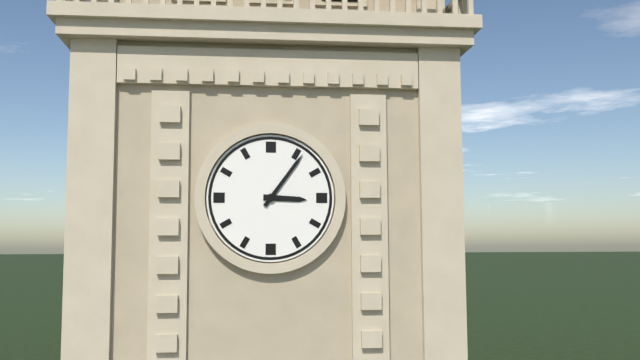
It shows 3 h 06 min
